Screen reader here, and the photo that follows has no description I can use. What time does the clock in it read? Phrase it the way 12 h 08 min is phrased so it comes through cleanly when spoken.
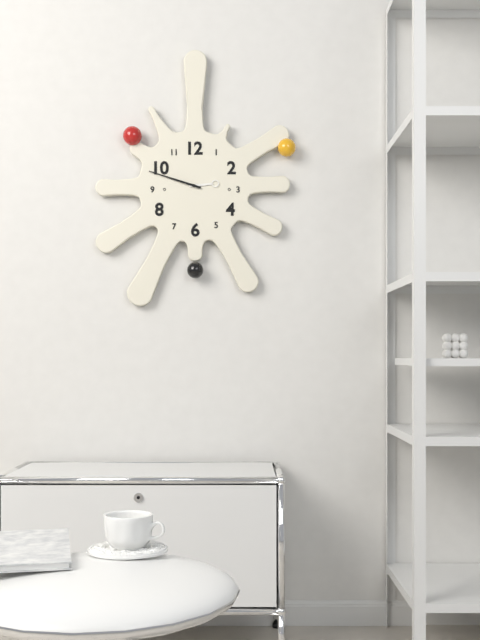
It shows 2 h 48 min
